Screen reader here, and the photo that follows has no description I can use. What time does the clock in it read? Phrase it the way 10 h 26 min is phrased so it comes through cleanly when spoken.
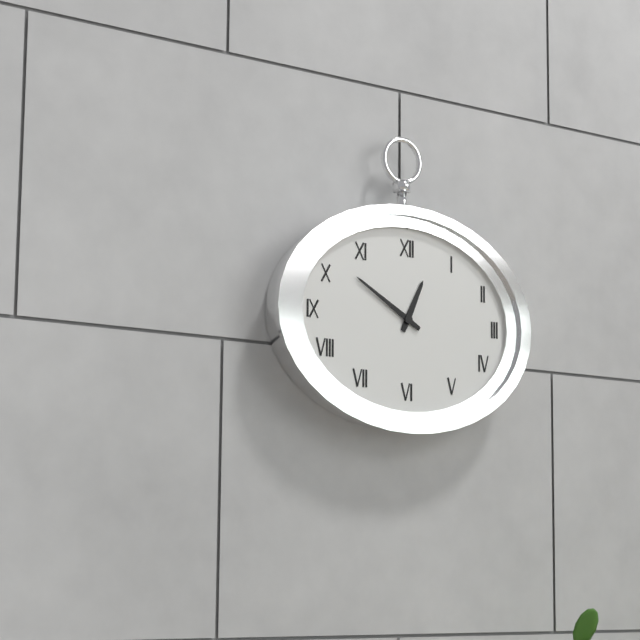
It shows 12 h 50 min
